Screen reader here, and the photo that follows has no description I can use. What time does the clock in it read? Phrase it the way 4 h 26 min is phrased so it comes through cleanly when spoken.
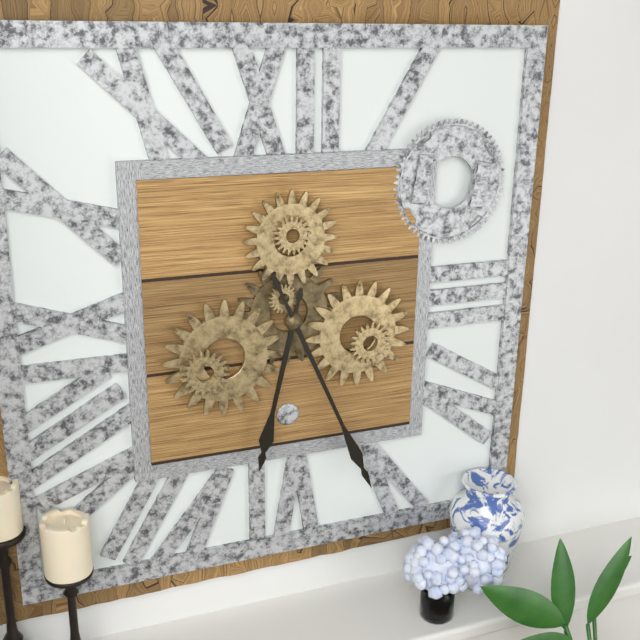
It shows 6 h 26 min
